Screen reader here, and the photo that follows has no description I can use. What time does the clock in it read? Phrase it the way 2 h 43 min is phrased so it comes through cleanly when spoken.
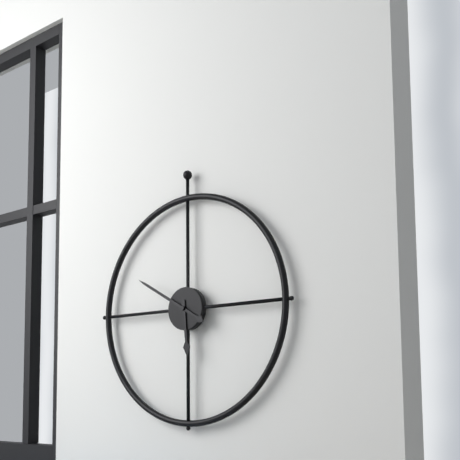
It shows 5 h 50 min
